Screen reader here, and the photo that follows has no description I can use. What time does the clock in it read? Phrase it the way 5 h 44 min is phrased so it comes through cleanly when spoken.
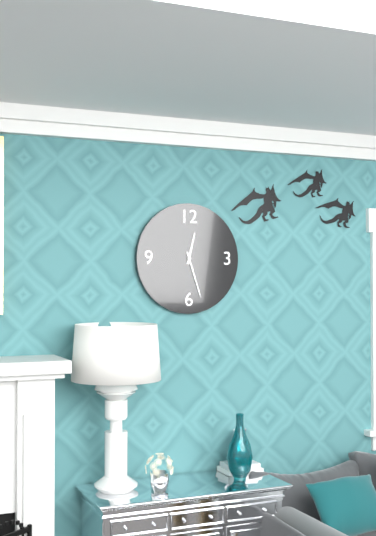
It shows 12 h 27 min
